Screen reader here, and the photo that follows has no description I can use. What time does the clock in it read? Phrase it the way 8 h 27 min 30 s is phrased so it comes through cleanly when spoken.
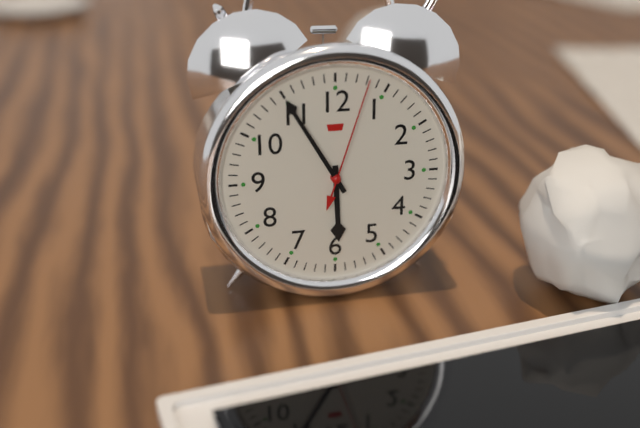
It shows 5 h 55 min 03 s
